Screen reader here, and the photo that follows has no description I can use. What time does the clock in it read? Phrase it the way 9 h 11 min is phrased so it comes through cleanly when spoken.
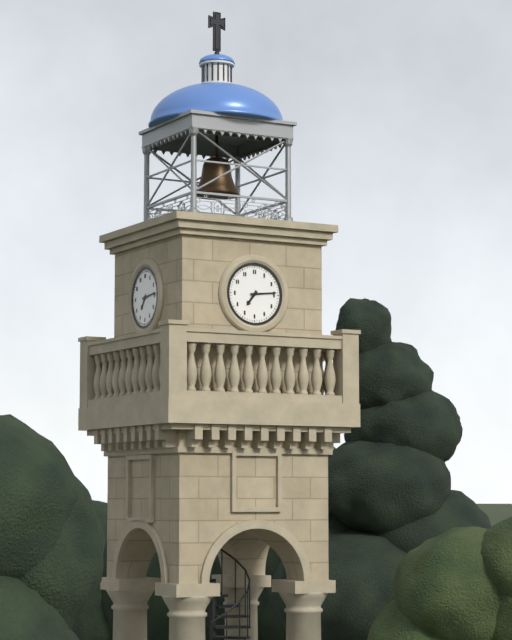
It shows 7 h 14 min
